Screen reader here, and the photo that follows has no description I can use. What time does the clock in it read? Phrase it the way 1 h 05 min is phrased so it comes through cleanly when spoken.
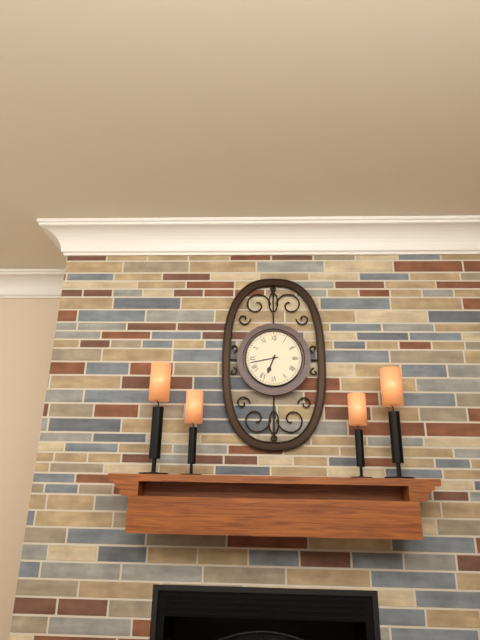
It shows 6 h 43 min
